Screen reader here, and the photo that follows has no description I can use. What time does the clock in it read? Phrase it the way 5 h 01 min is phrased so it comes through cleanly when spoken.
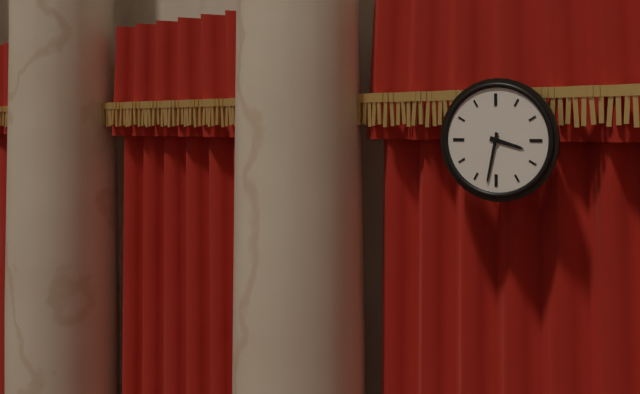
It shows 3 h 32 min
